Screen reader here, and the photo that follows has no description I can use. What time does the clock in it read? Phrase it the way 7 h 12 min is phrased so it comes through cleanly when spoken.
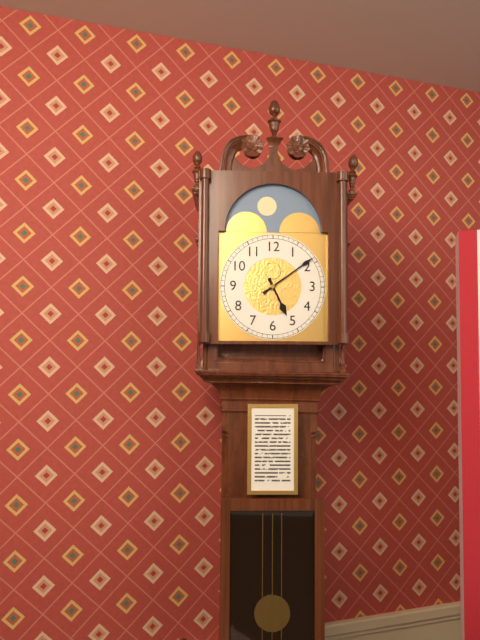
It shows 5 h 09 min
